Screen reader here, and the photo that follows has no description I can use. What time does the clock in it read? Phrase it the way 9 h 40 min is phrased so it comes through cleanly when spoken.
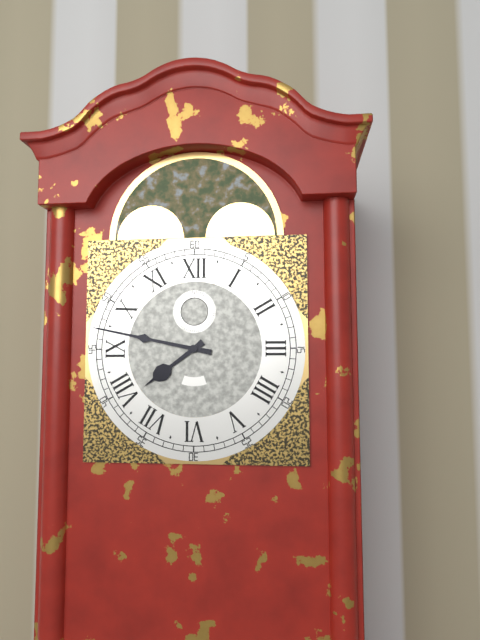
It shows 7 h 47 min
